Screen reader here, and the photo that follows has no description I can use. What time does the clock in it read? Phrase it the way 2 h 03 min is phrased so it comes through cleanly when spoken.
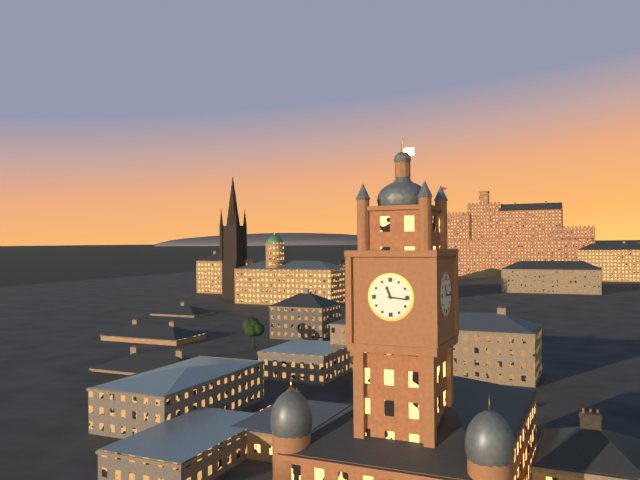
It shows 11 h 16 min
